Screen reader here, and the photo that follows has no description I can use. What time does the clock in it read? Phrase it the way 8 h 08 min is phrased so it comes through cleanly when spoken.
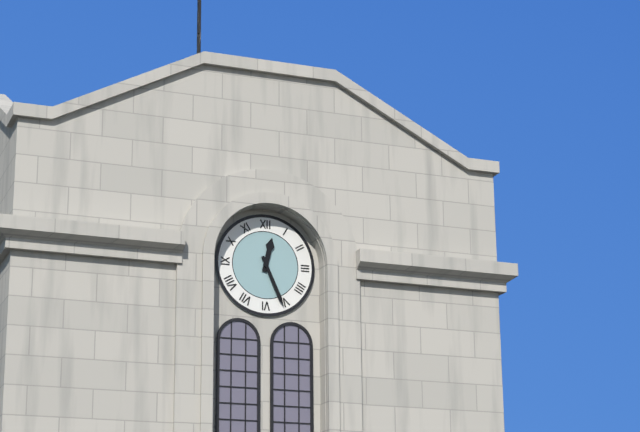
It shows 12 h 26 min
